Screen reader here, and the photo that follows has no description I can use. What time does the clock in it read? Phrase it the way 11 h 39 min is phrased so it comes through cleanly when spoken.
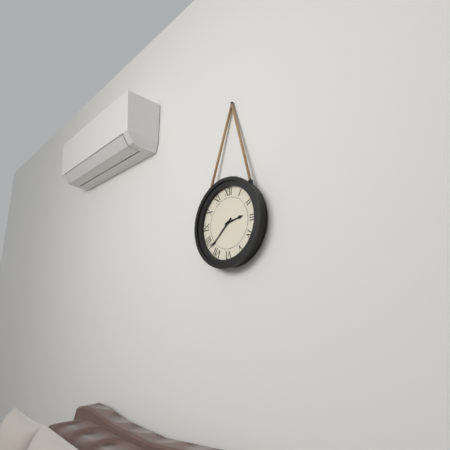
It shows 2 h 38 min
